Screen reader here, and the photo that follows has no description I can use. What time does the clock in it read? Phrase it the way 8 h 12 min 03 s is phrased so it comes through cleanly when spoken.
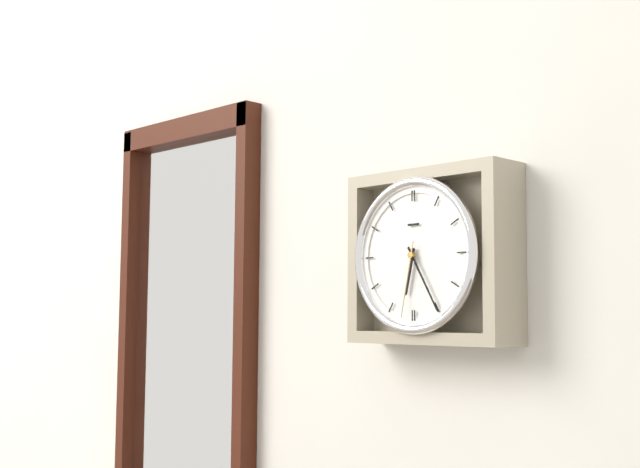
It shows 6 h 25 min 32 s
